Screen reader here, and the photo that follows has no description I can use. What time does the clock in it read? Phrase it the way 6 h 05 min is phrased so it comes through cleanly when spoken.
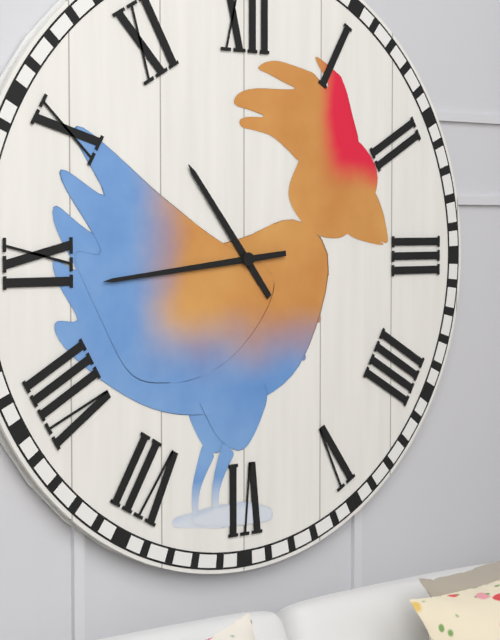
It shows 10 h 44 min
